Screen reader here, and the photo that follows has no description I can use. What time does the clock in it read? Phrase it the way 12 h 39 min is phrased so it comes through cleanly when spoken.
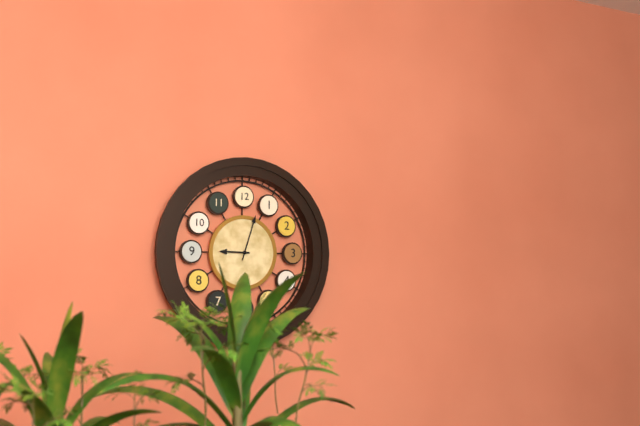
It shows 9 h 03 min
